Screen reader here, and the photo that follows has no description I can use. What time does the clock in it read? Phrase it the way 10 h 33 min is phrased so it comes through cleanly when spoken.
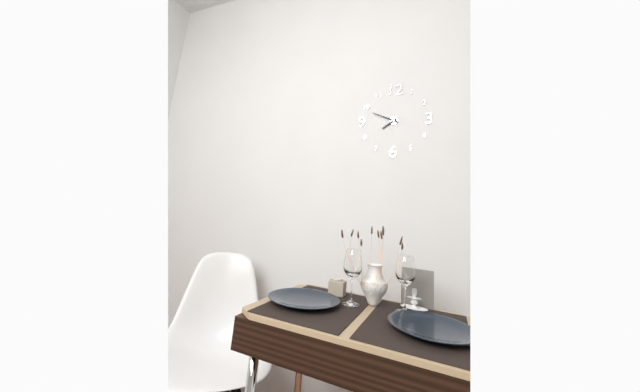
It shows 7 h 49 min
